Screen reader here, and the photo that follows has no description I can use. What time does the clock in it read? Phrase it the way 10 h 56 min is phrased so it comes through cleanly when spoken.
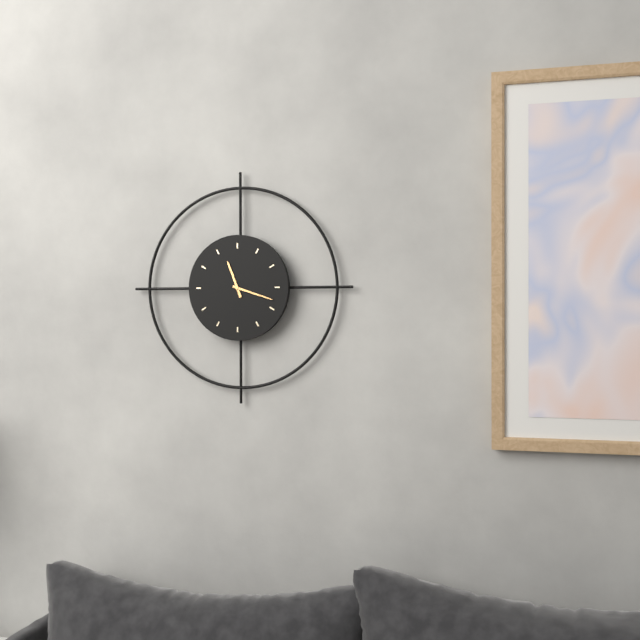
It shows 11 h 18 min
